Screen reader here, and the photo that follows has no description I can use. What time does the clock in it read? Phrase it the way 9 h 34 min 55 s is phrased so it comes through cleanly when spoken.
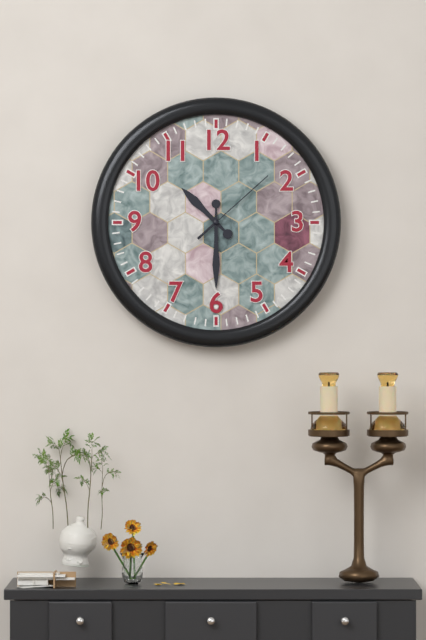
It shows 10 h 30 min 08 s
